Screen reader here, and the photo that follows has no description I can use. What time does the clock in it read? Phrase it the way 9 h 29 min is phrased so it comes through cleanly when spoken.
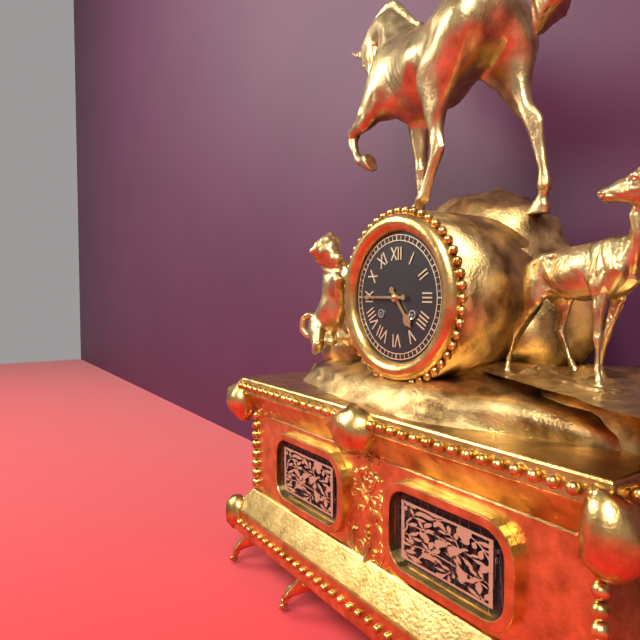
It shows 4 h 45 min
